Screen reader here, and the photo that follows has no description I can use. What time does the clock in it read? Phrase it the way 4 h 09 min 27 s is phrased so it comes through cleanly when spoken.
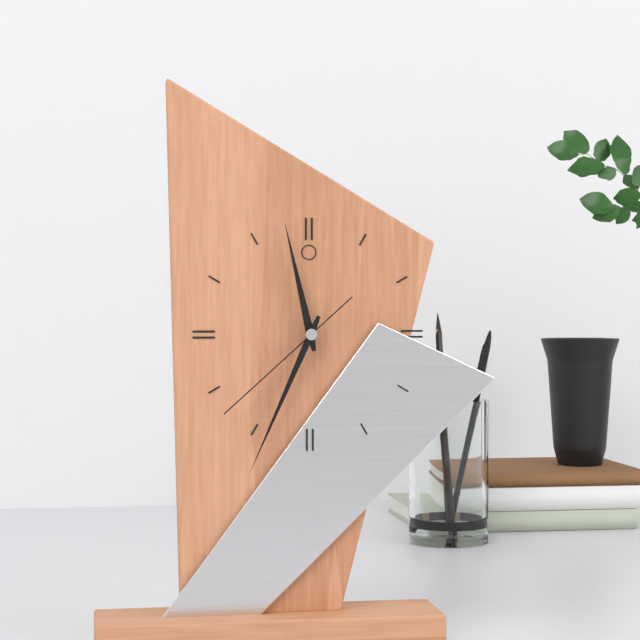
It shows 11 h 34 min 38 s
